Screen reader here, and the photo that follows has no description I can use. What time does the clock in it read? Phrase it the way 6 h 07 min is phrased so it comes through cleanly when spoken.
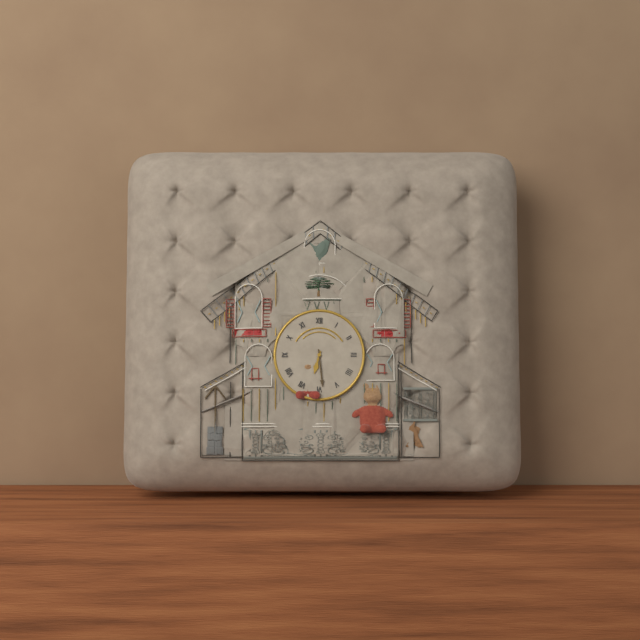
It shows 6 h 29 min
